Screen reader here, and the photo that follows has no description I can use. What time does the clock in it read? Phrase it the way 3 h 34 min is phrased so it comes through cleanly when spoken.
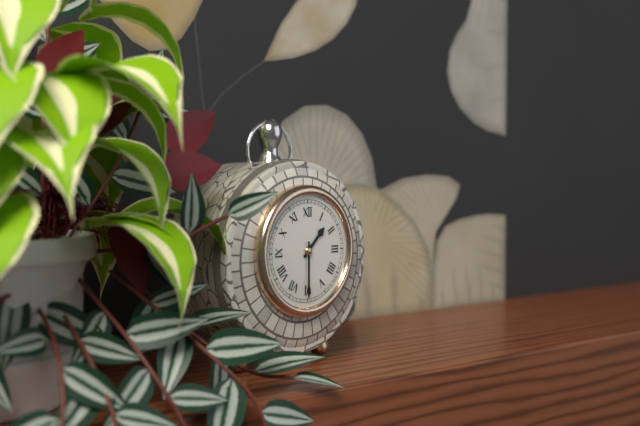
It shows 1 h 30 min
